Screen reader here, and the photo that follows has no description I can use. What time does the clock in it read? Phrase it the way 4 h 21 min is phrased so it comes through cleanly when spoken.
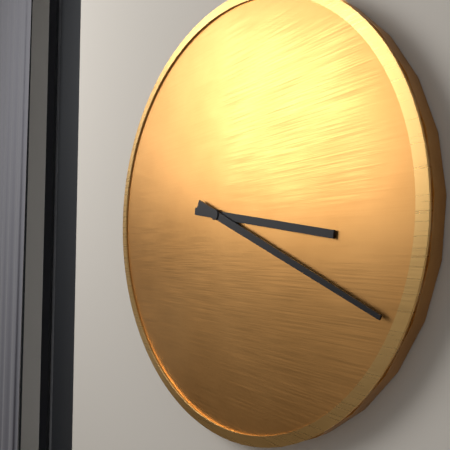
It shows 3 h 19 min
